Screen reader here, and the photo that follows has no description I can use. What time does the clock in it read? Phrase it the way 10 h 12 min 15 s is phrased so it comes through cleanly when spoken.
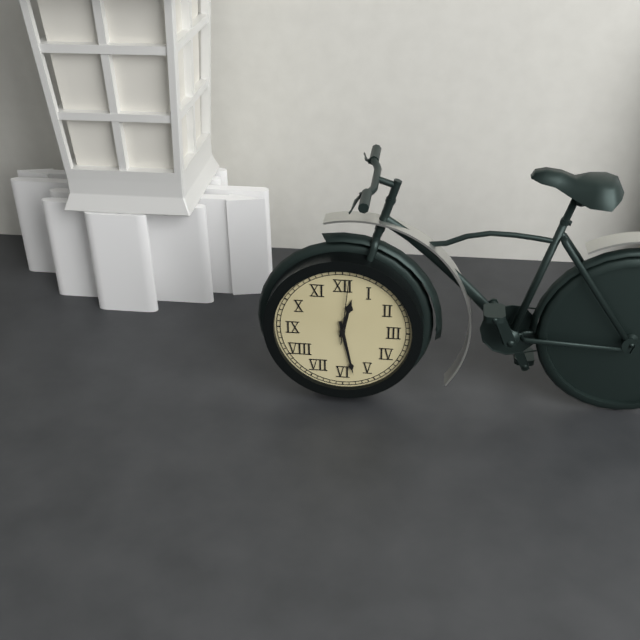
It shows 12 h 28 min 01 s
